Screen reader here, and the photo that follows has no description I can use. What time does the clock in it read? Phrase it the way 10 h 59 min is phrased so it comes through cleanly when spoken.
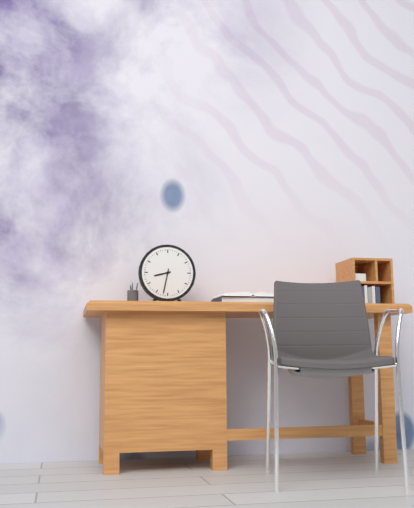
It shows 8 h 32 min
